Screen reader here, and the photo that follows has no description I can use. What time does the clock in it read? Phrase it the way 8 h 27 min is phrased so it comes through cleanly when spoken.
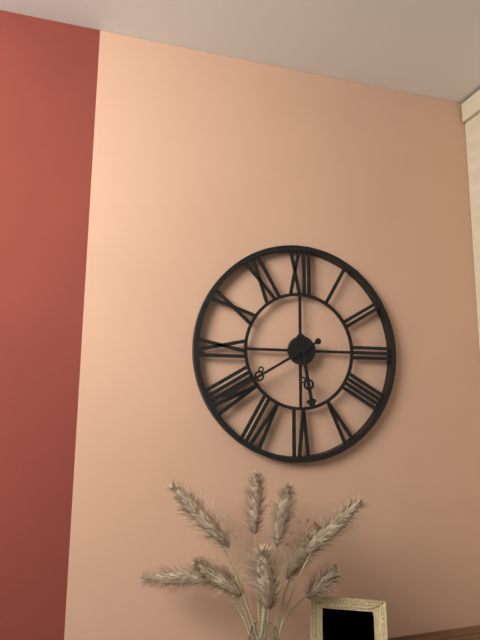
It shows 5 h 40 min
